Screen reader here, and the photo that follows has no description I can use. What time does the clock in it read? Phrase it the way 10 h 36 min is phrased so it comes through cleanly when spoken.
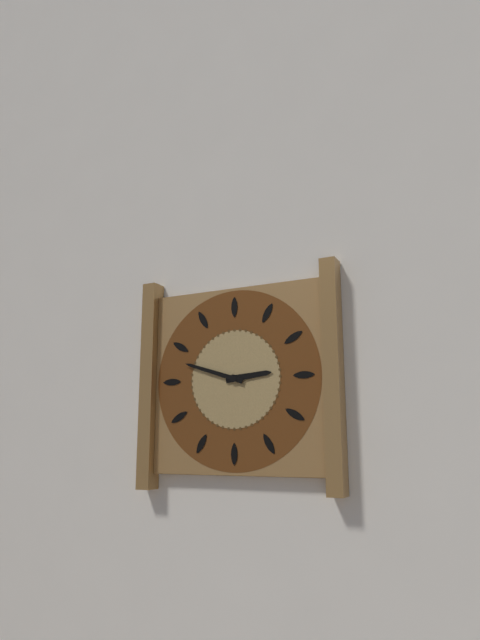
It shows 2 h 48 min
